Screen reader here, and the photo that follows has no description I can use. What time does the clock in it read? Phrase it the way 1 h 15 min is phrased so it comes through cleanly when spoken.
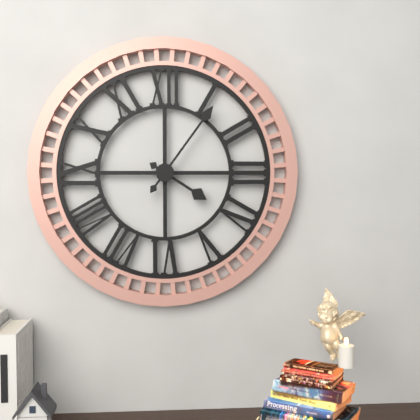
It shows 4 h 06 min
